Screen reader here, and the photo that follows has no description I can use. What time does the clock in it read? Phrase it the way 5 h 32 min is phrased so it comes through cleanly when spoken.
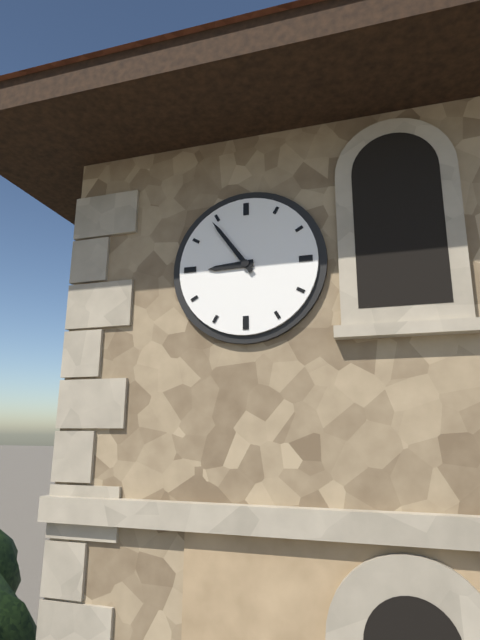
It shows 8 h 54 min
